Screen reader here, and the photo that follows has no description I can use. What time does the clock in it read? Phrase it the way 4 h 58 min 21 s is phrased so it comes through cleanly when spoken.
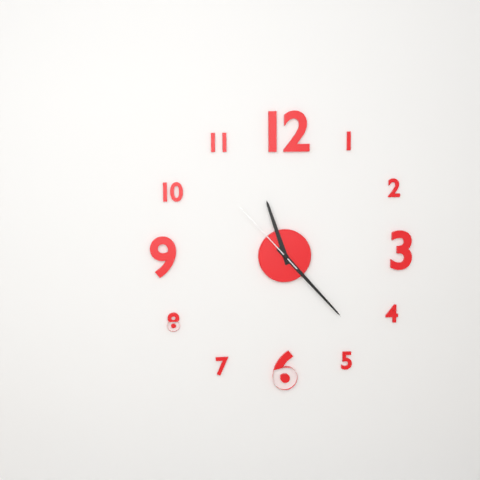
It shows 11 h 23 min 53 s
